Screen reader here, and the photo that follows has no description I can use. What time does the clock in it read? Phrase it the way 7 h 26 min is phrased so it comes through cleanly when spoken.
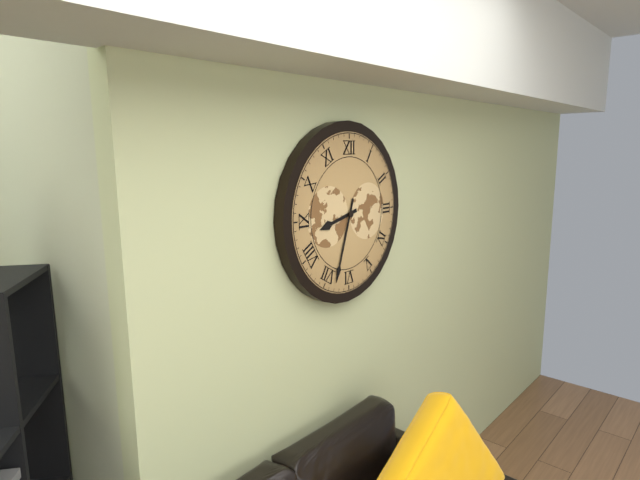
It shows 8 h 33 min
